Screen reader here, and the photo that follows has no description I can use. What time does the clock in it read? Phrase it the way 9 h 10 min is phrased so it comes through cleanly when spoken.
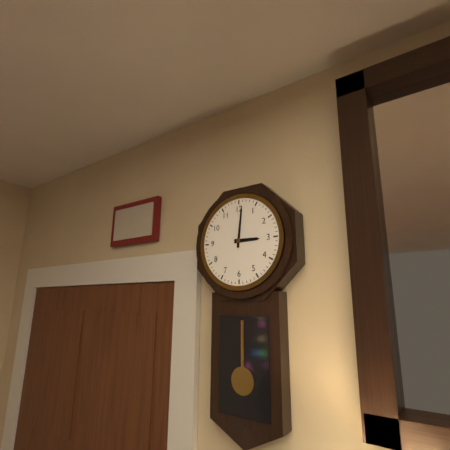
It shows 3 h 01 min
